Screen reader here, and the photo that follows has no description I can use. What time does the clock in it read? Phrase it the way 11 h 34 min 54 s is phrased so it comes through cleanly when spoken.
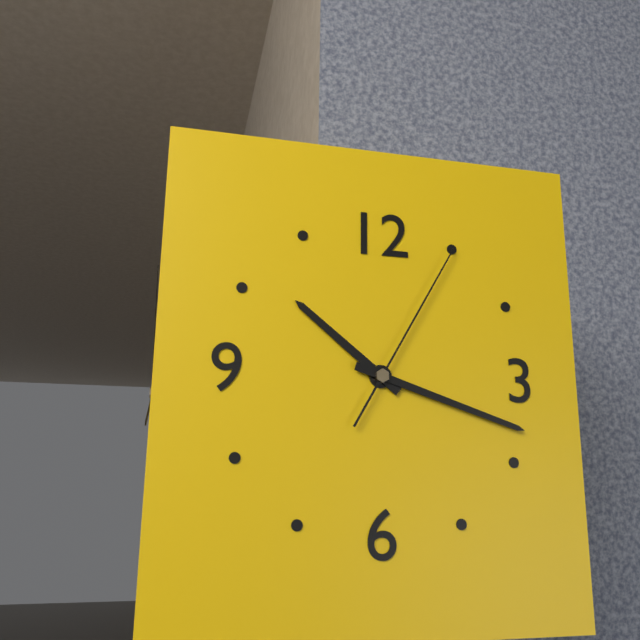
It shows 10 h 18 min 05 s
